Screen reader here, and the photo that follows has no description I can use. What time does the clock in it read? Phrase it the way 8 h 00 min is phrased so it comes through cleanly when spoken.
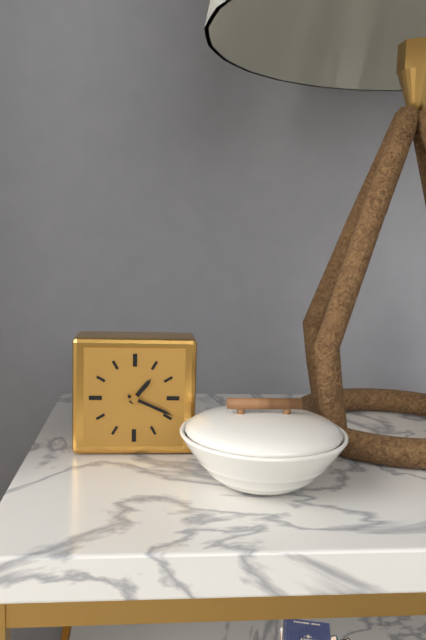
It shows 1 h 19 min
